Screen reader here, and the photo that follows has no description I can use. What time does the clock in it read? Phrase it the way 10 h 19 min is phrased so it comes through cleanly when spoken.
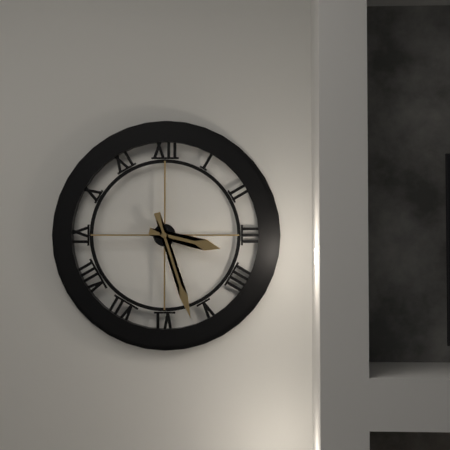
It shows 3 h 27 min
